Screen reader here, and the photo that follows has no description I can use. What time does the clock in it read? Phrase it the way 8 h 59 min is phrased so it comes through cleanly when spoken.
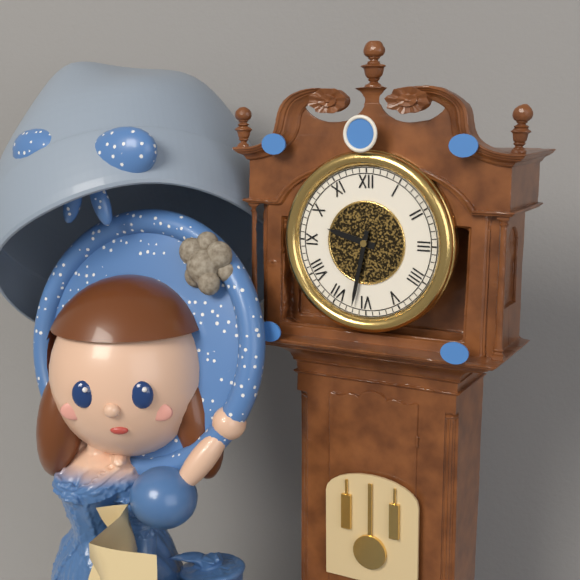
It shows 9 h 32 min
